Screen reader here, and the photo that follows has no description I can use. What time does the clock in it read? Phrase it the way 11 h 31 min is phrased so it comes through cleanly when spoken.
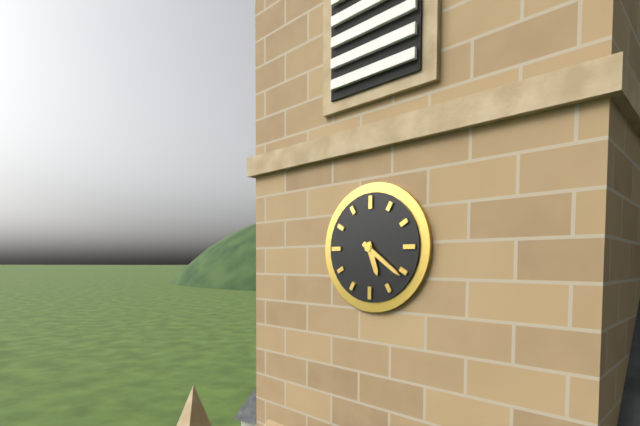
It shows 5 h 21 min
